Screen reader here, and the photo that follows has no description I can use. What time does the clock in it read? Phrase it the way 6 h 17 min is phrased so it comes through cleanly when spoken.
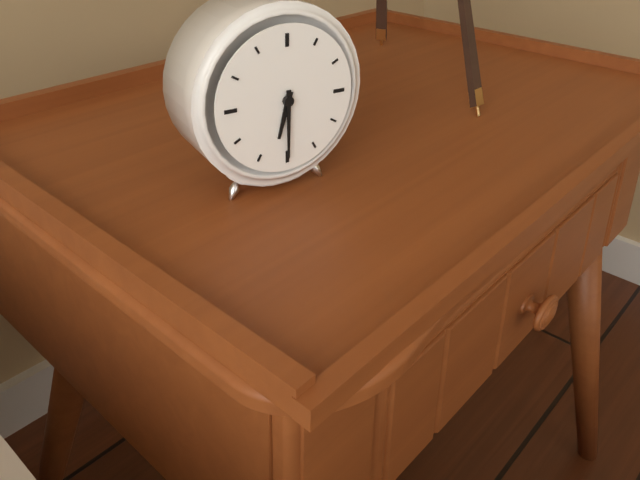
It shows 6 h 30 min
